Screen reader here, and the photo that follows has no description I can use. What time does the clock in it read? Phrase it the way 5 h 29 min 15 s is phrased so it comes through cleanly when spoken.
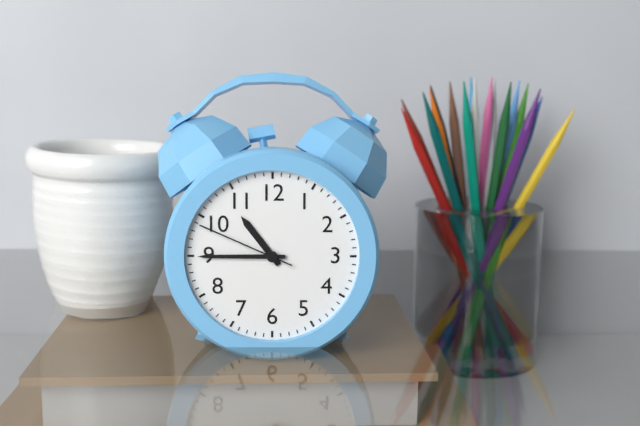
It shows 10 h 45 min 49 s
